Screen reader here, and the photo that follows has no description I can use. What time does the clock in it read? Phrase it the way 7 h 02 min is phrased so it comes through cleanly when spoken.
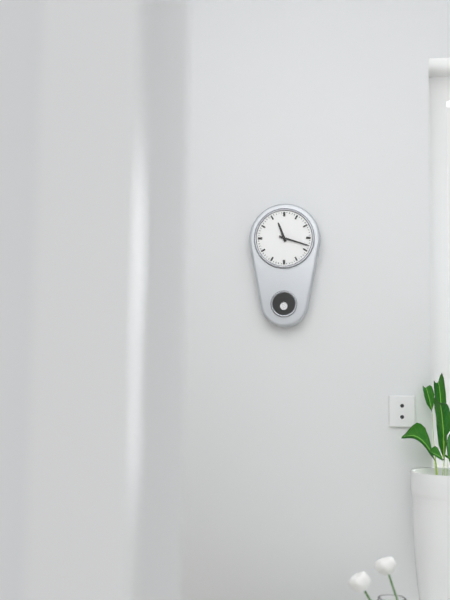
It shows 11 h 18 min
